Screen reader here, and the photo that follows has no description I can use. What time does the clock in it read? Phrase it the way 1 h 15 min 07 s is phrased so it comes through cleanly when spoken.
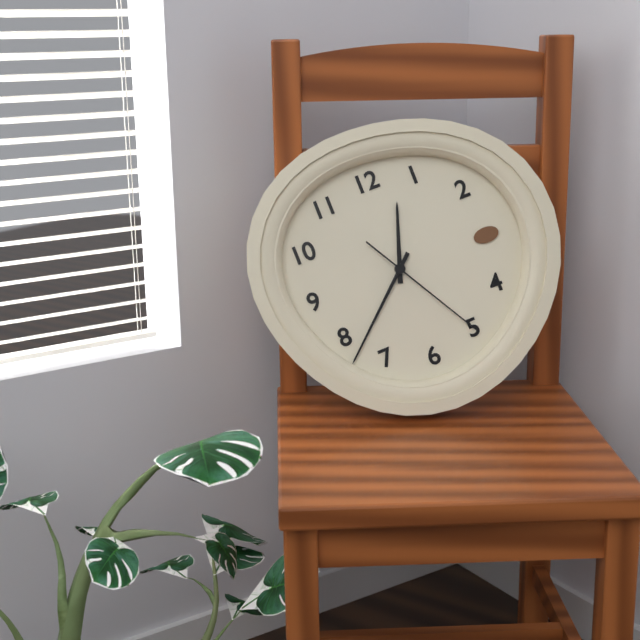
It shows 12 h 38 min 25 s
